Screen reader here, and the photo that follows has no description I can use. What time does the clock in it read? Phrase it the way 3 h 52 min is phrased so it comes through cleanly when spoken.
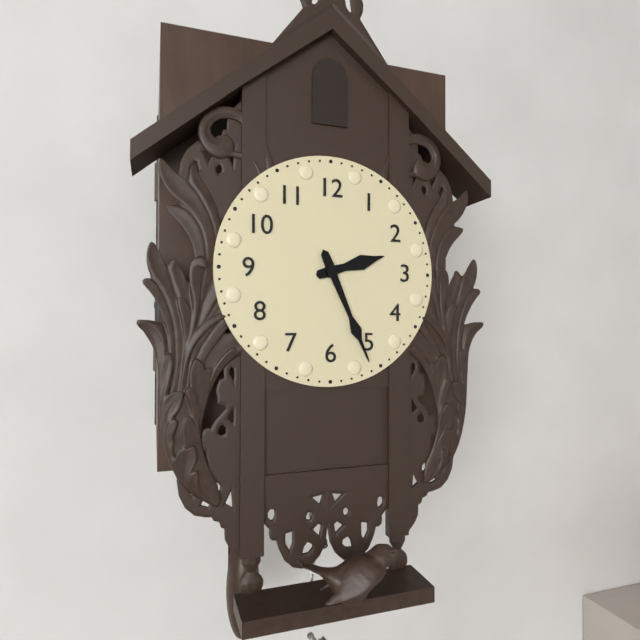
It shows 2 h 26 min
